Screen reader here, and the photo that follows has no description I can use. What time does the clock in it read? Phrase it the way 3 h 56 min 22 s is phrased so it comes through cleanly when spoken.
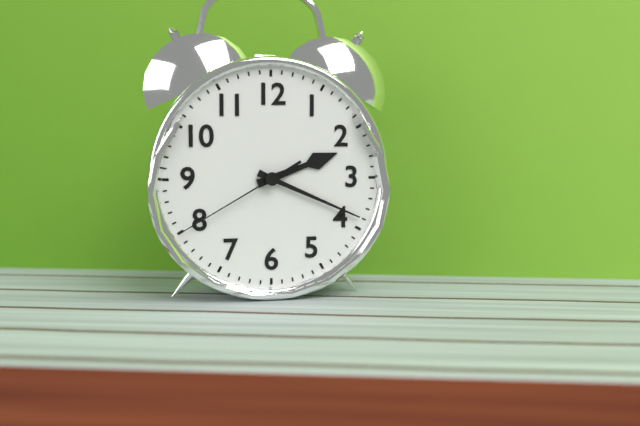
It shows 2 h 19 min 40 s
